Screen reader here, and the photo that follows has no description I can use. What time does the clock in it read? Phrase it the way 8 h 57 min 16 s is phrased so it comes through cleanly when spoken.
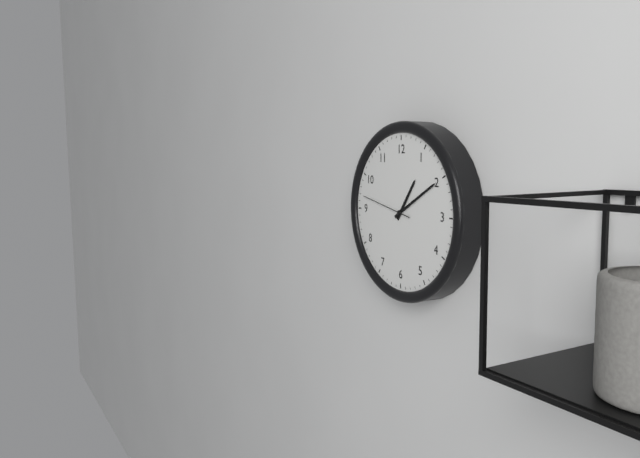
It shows 1 h 10 min 47 s
